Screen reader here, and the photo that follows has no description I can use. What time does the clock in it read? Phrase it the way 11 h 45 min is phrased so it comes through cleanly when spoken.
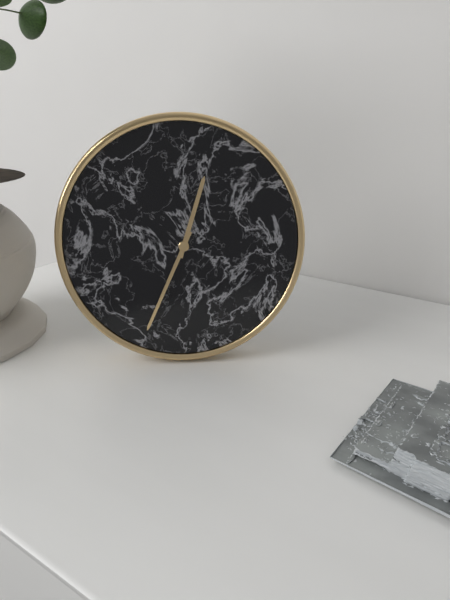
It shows 12 h 34 min
